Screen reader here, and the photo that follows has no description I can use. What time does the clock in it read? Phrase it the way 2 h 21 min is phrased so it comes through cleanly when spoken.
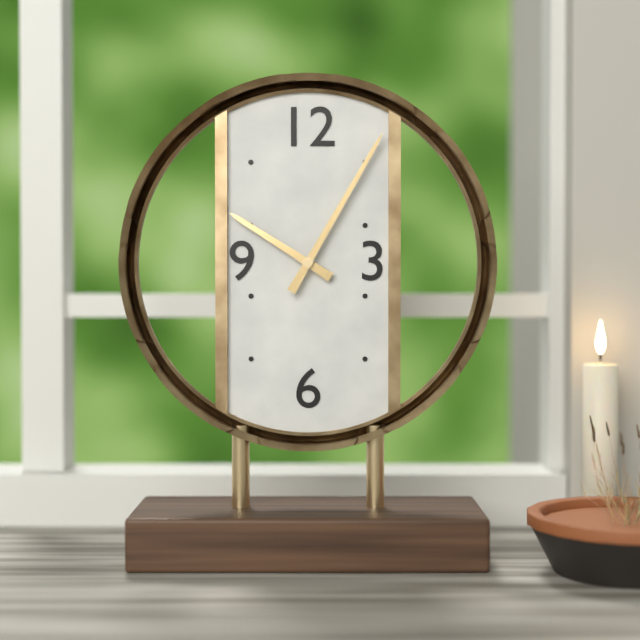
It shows 10 h 05 min
